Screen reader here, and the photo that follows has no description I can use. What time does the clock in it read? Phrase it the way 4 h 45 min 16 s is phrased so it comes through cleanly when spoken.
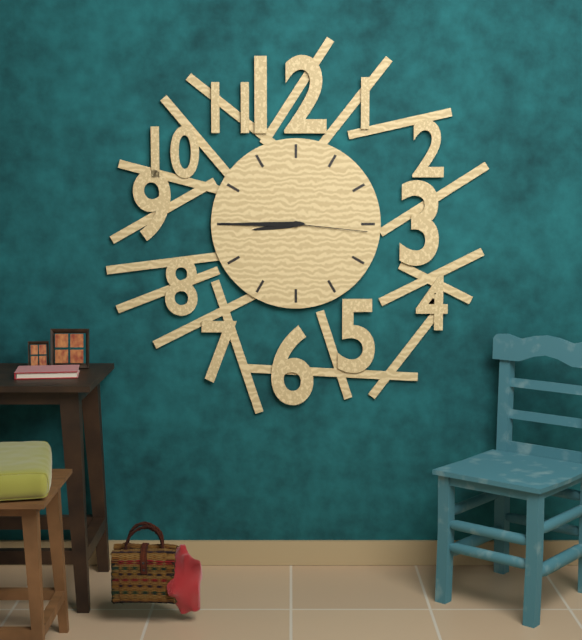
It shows 8 h 45 min 16 s
